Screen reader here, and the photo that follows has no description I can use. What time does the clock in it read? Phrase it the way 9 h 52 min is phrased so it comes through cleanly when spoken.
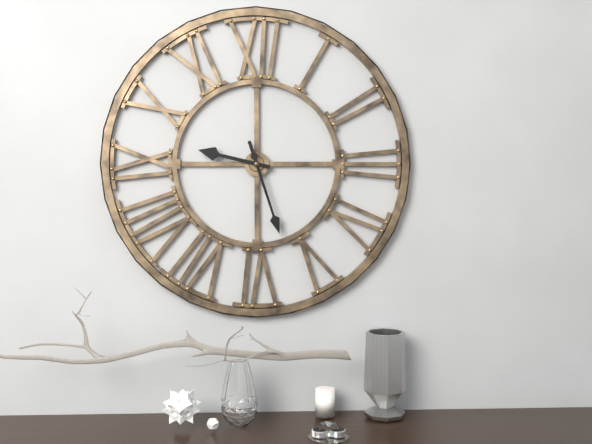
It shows 9 h 27 min
